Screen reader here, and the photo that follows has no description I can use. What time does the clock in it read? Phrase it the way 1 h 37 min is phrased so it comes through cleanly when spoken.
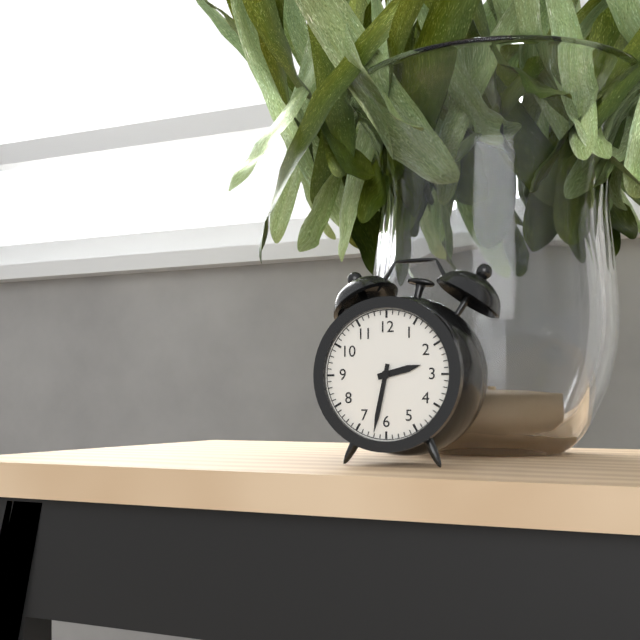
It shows 2 h 32 min
